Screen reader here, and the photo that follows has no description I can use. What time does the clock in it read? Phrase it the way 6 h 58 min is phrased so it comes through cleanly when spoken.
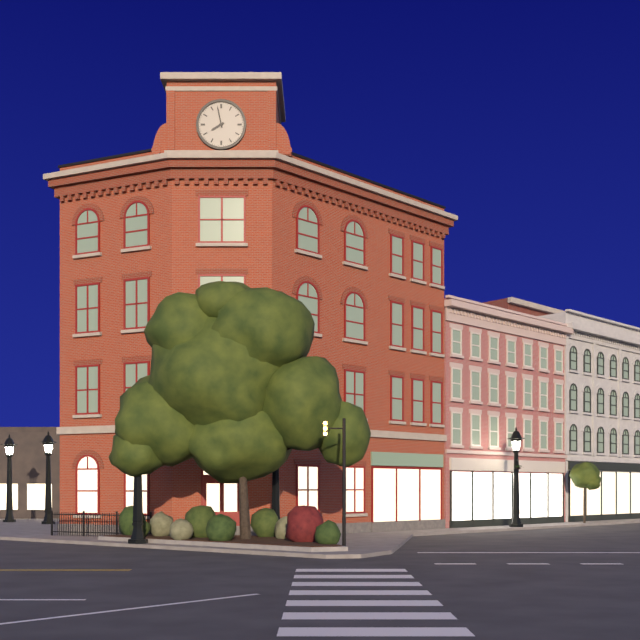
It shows 7 h 58 min
